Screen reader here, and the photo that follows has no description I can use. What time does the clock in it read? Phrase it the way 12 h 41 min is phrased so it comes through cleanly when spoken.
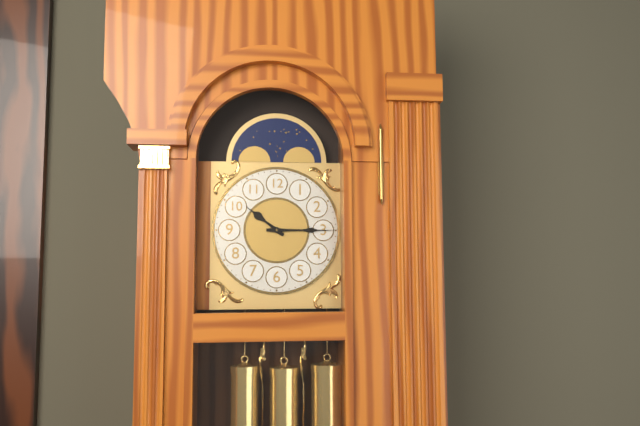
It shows 10 h 15 min
